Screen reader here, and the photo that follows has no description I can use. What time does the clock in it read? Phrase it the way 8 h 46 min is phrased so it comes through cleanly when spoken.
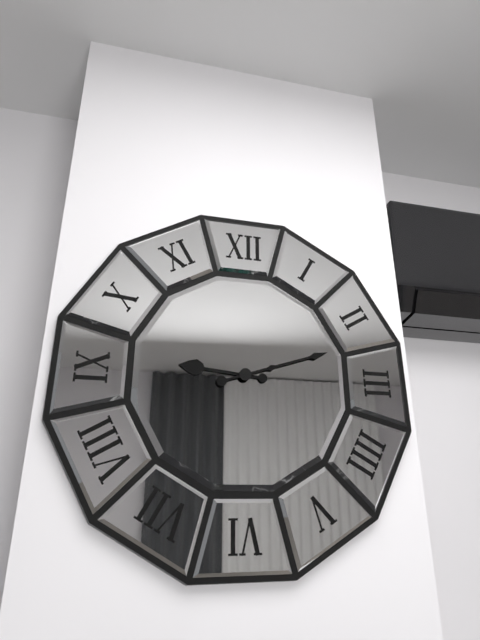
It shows 9 h 12 min
